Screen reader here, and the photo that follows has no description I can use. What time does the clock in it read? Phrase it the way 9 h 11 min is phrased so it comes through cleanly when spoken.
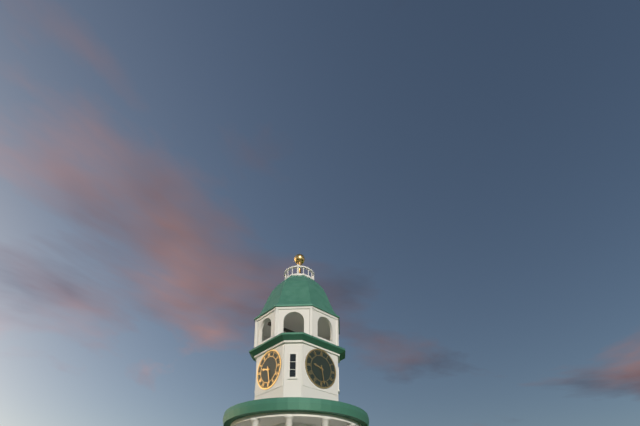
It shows 9 h 28 min
